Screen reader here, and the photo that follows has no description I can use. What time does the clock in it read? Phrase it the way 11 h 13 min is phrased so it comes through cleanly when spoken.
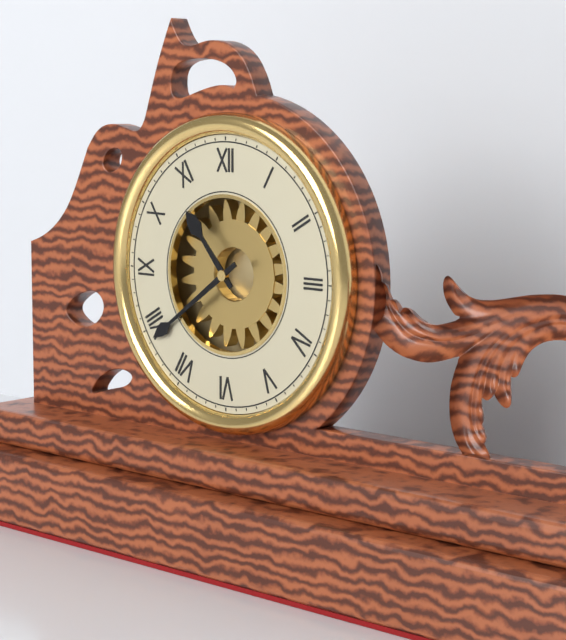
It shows 10 h 39 min
